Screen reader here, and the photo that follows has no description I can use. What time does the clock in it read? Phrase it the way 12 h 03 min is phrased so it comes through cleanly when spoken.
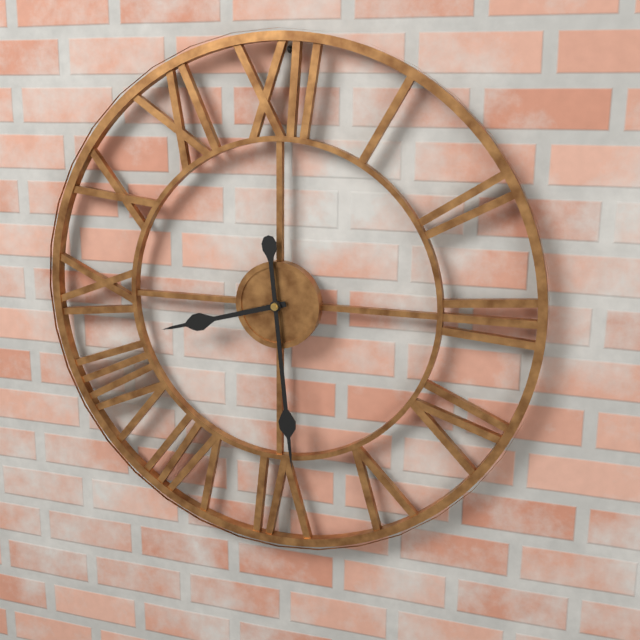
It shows 8 h 29 min
